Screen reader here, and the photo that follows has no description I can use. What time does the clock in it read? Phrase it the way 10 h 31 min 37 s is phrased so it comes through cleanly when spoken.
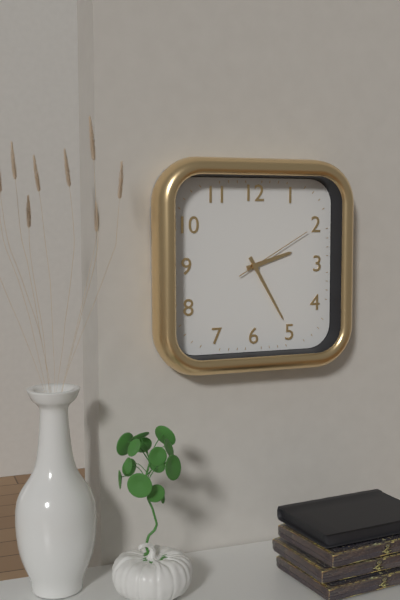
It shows 2 h 25 min 10 s
